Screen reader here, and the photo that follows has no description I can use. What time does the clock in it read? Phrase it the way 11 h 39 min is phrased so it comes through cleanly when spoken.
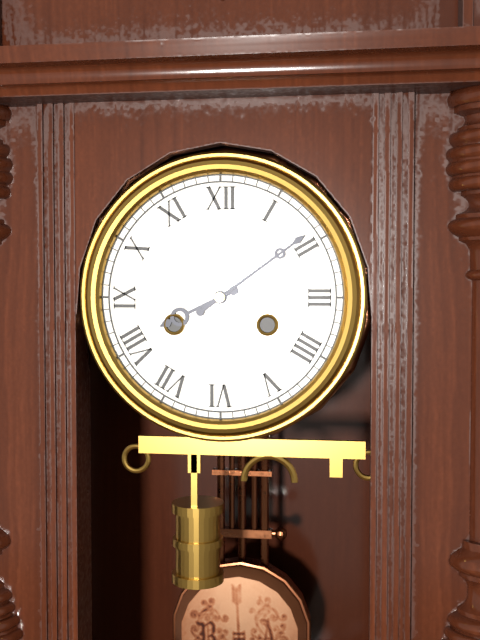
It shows 8 h 09 min
